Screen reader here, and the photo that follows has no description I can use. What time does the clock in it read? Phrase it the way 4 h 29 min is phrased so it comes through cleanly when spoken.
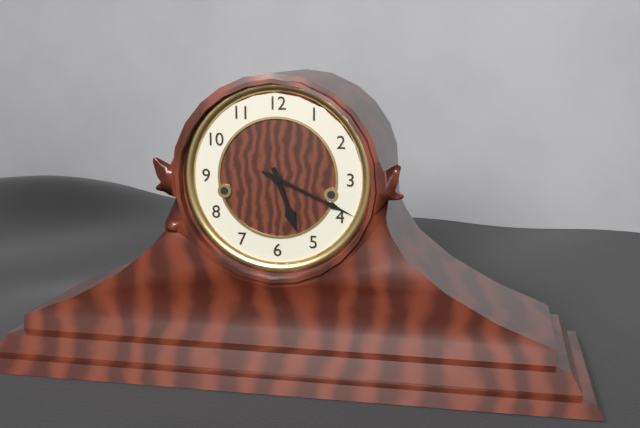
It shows 5 h 19 min
